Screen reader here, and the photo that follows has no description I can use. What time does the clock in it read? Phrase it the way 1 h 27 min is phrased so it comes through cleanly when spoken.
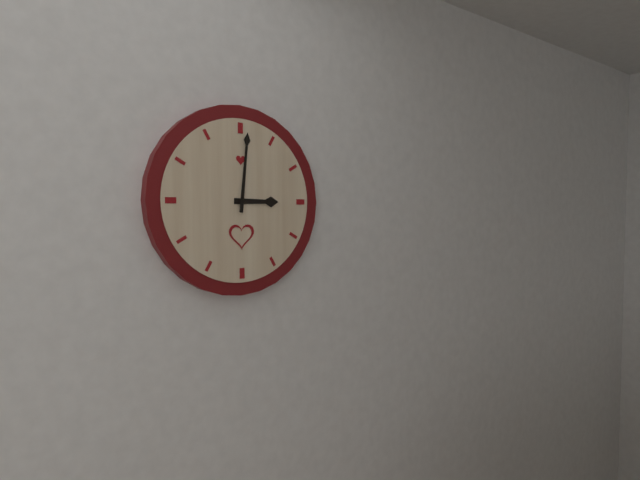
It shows 3 h 01 min
